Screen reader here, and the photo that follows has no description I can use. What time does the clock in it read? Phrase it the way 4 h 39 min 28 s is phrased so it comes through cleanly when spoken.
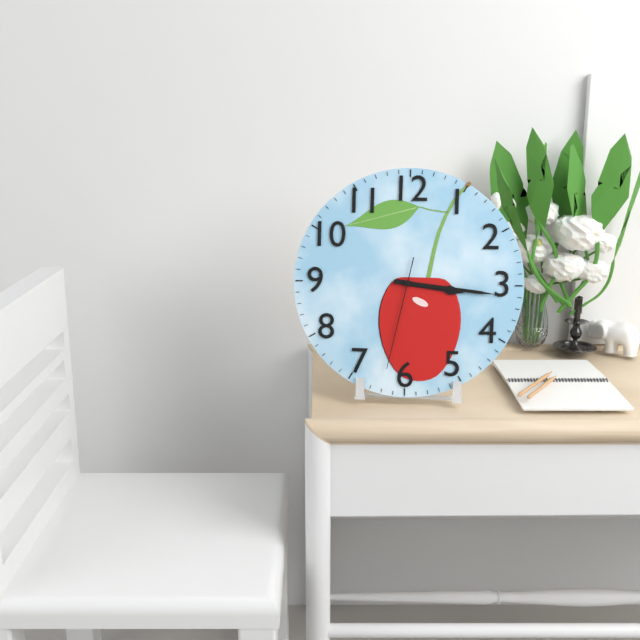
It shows 3 h 16 min 32 s
